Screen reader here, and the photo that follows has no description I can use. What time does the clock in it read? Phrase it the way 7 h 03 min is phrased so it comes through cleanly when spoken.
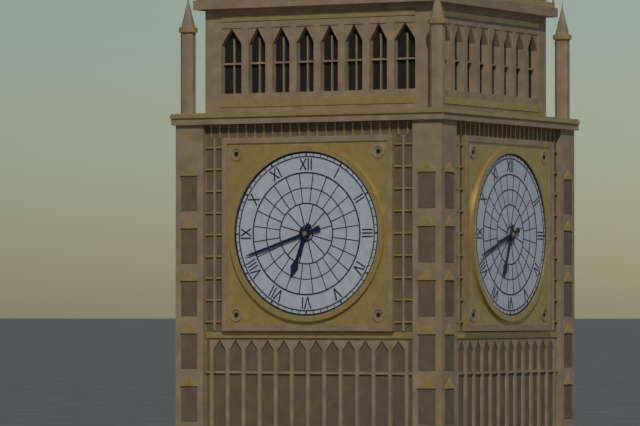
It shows 6 h 42 min
